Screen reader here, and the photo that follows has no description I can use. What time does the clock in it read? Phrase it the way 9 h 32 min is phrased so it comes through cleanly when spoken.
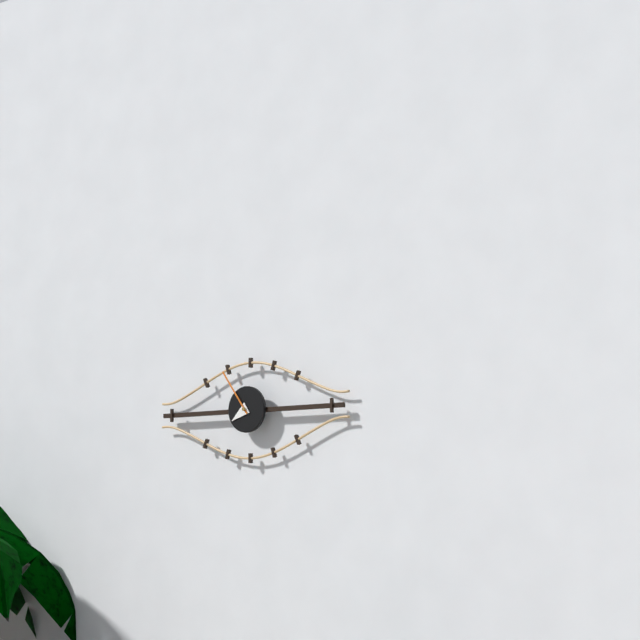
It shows 7 h 54 min
